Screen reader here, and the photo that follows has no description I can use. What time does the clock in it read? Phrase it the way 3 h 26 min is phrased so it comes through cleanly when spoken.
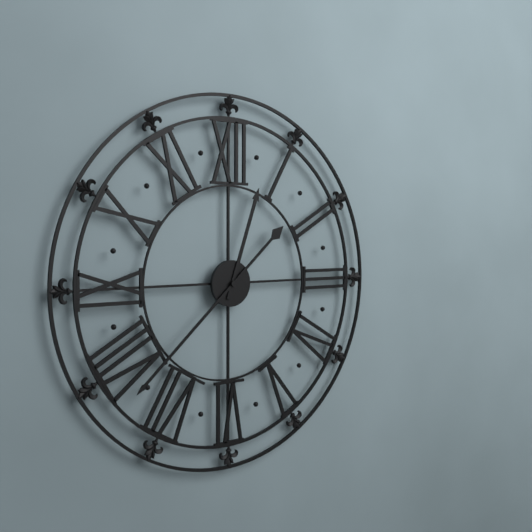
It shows 12 h 38 min
